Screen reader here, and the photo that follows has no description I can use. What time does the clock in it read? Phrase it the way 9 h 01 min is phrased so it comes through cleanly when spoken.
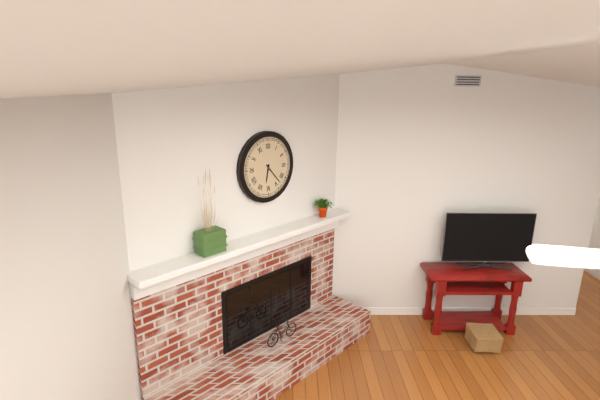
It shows 6 h 23 min
